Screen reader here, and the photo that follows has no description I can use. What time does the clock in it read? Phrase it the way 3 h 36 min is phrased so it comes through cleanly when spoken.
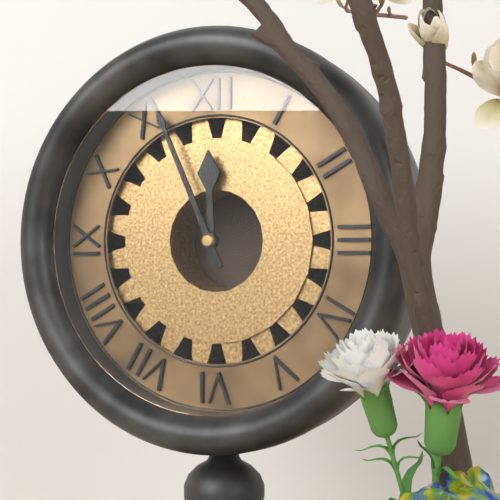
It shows 11 h 56 min
